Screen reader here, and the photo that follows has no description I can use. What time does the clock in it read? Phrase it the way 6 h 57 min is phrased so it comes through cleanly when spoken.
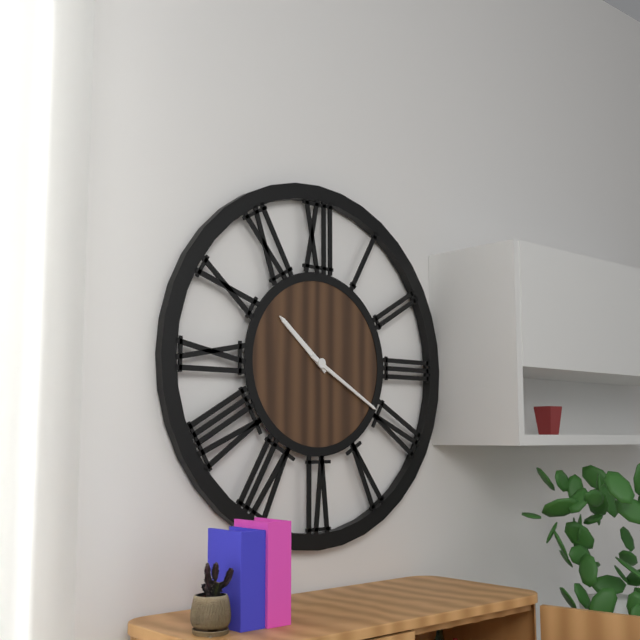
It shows 10 h 20 min
